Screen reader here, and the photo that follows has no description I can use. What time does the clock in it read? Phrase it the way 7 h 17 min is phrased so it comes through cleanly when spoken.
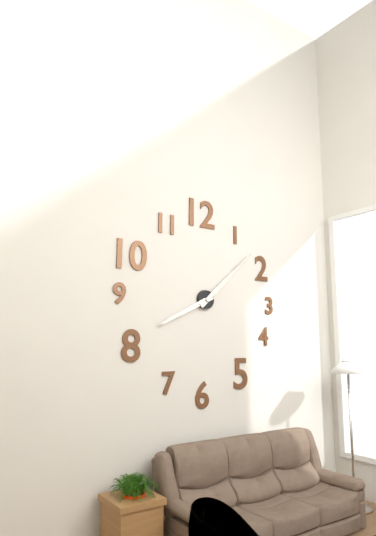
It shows 8 h 08 min
